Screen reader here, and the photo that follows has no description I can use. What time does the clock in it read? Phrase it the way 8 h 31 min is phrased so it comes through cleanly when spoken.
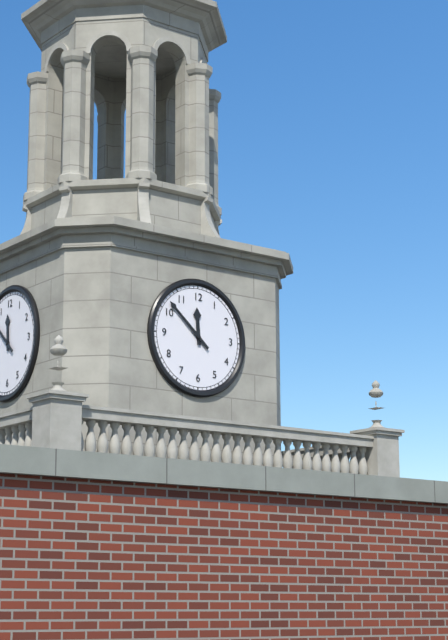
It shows 11 h 52 min
